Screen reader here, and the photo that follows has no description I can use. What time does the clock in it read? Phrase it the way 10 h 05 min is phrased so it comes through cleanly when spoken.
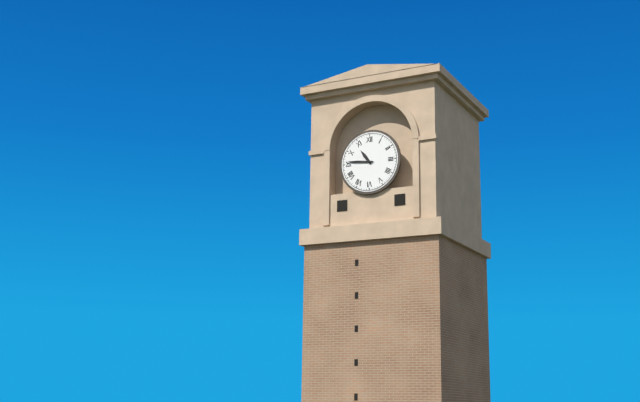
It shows 10 h 46 min
